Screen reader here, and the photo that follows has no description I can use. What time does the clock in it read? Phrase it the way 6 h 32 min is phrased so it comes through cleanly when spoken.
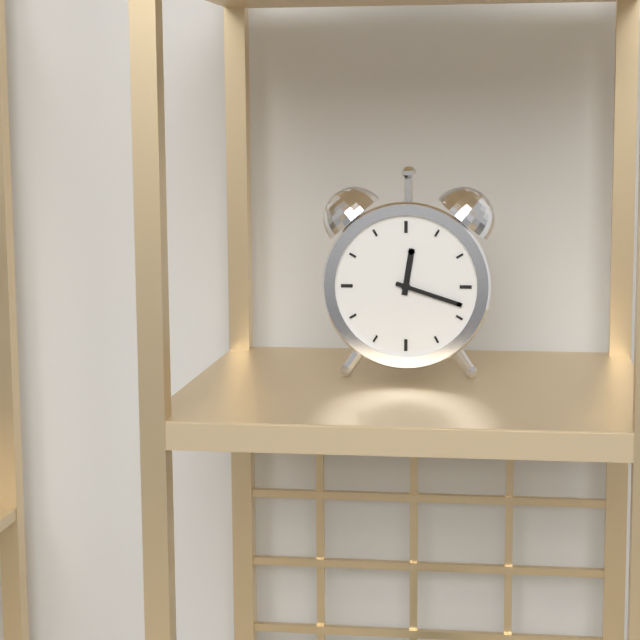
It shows 12 h 18 min
